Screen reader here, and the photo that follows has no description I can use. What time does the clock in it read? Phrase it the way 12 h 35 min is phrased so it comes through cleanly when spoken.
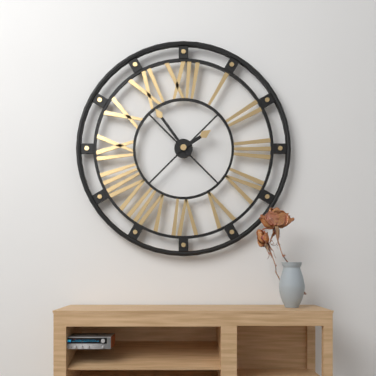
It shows 1 h 54 min
